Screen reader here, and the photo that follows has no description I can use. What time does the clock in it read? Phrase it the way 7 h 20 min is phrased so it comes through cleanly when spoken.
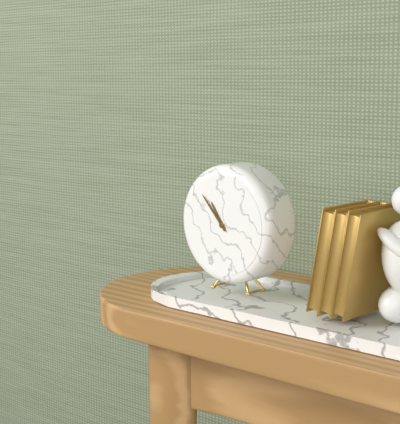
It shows 10 h 53 min
